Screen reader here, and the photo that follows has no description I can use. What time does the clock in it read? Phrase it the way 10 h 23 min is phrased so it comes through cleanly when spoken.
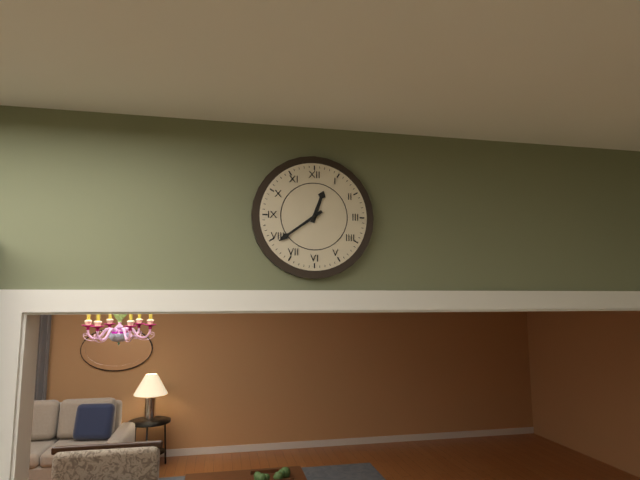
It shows 12 h 39 min
